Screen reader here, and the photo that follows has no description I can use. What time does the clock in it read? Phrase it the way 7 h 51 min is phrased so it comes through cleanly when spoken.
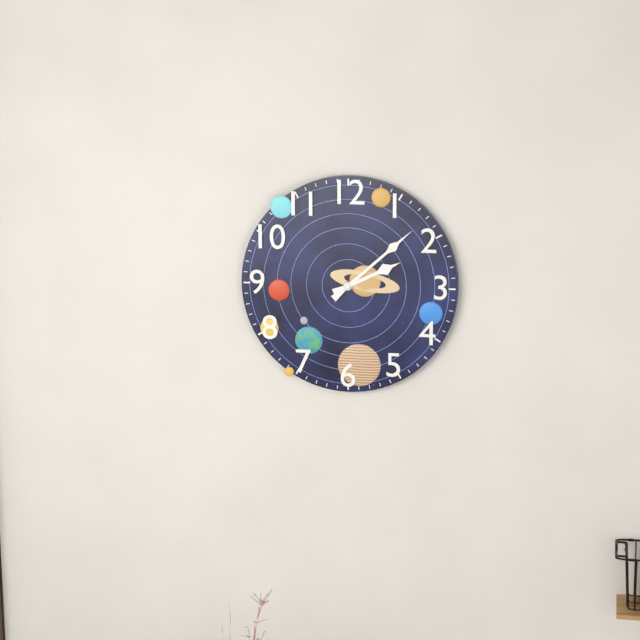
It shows 2 h 08 min
